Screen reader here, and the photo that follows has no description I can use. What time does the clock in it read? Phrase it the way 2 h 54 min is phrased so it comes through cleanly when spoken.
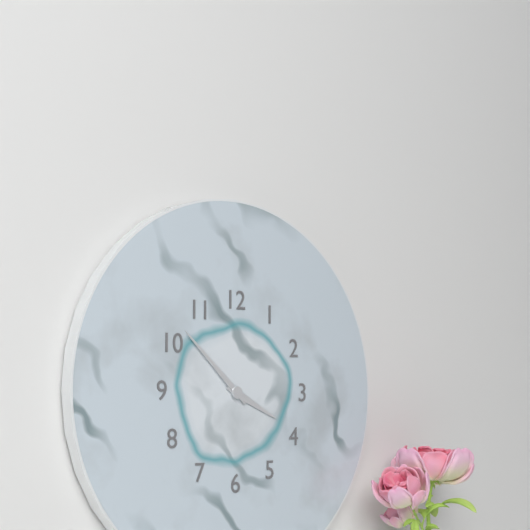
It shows 3 h 52 min
